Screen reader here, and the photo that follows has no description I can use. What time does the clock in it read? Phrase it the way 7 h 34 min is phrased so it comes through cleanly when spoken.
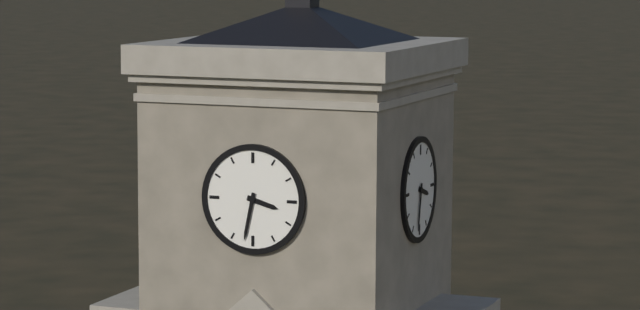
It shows 3 h 32 min
